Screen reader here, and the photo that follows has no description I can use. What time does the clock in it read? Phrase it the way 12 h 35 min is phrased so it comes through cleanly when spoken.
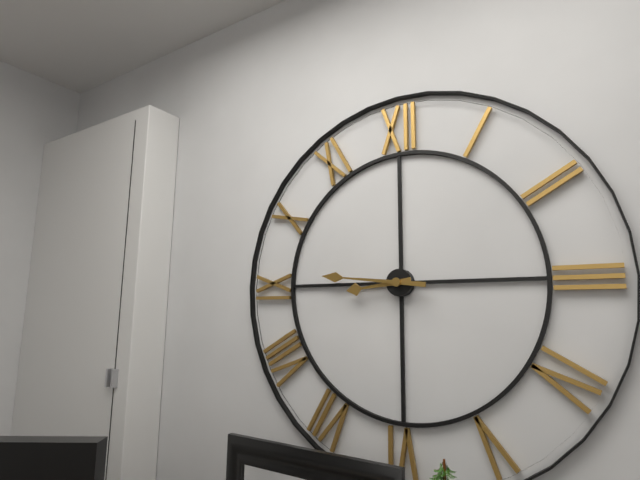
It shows 8 h 46 min
